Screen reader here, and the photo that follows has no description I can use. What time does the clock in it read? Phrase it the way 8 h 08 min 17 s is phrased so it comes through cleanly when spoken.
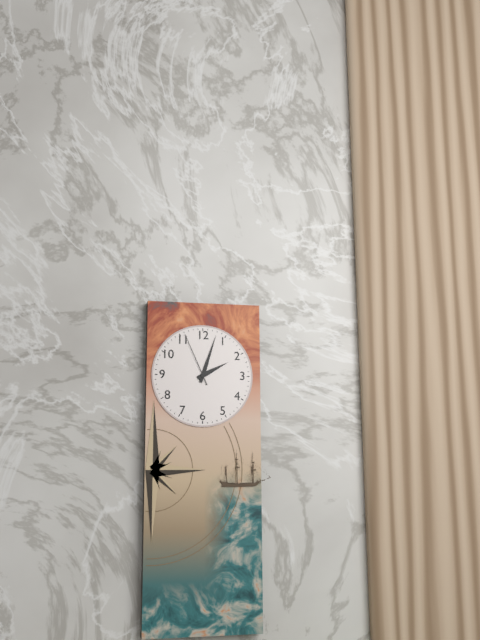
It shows 2 h 03 min 56 s
